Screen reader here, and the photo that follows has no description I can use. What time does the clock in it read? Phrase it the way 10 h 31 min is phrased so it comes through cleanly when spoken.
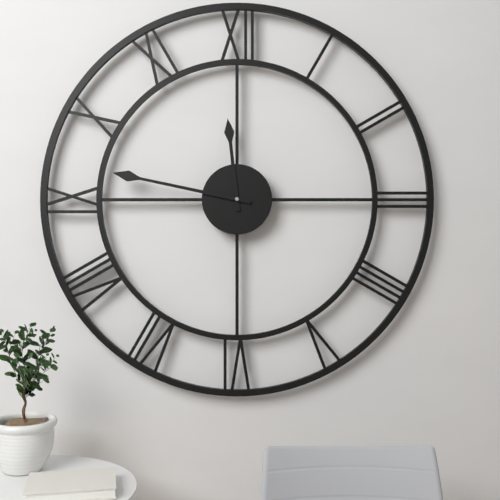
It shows 11 h 47 min
